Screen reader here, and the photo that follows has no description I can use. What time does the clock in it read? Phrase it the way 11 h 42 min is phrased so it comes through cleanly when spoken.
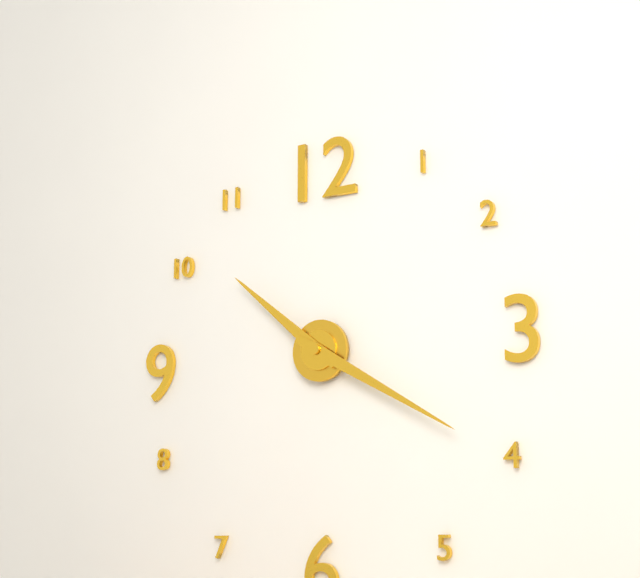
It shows 10 h 20 min
